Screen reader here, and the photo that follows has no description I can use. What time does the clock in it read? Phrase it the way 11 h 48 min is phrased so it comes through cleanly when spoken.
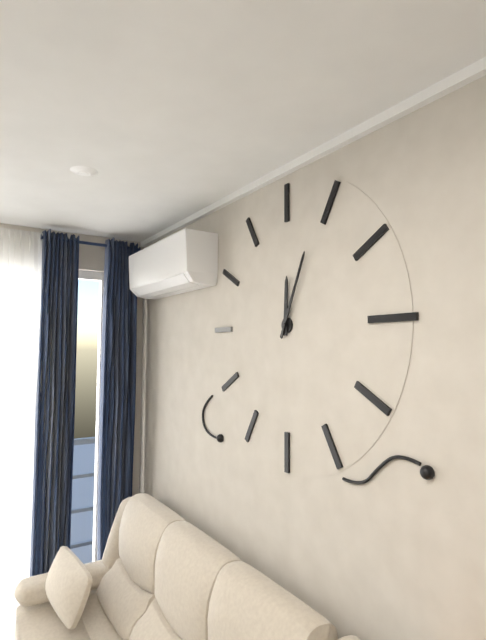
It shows 12 h 04 min
